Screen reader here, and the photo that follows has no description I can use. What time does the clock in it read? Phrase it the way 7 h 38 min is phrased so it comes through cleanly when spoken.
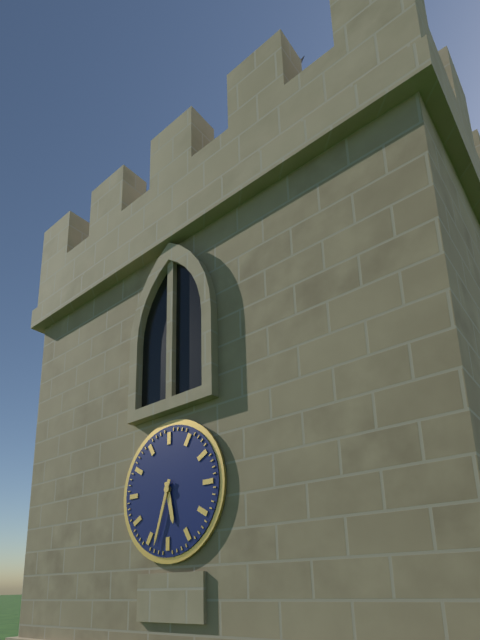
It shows 5 h 33 min
